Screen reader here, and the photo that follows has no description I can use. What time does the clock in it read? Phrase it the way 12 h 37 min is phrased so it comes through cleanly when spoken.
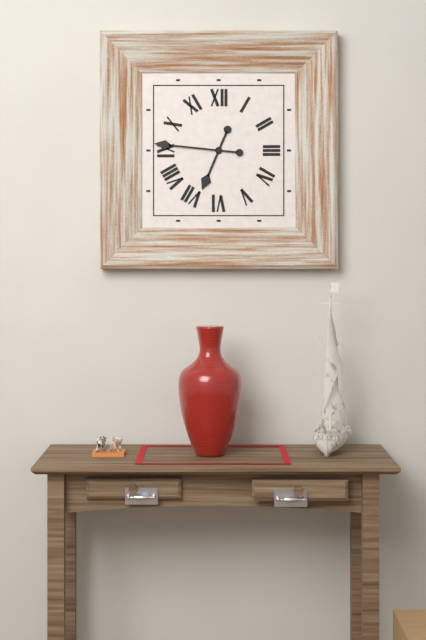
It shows 6 h 46 min
